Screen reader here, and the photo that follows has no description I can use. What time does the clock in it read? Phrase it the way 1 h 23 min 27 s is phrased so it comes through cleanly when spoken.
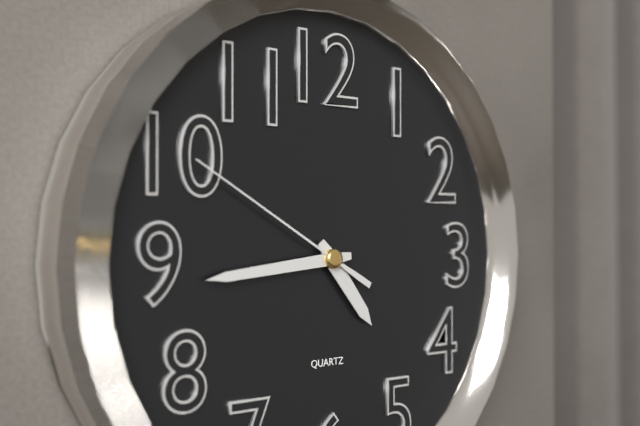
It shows 4 h 44 min 50 s
